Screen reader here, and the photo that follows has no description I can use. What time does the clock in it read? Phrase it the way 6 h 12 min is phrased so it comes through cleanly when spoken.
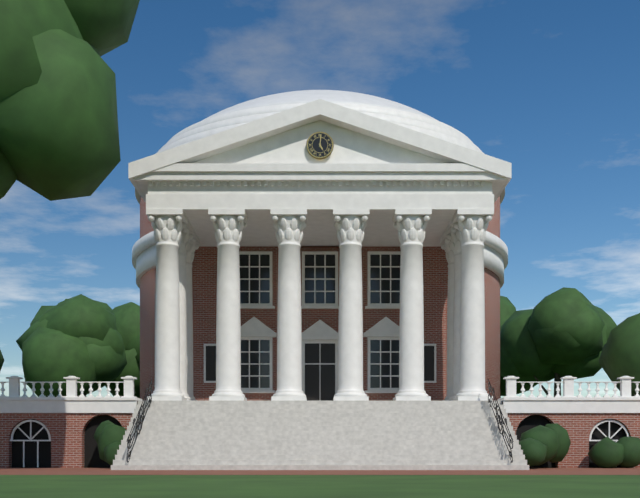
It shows 5 h 01 min
